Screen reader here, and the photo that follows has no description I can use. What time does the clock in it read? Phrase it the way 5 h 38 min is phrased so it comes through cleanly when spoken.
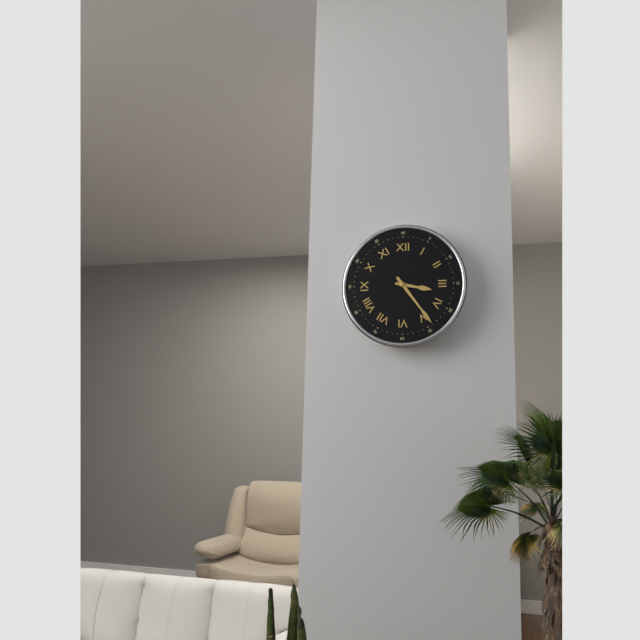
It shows 3 h 24 min
